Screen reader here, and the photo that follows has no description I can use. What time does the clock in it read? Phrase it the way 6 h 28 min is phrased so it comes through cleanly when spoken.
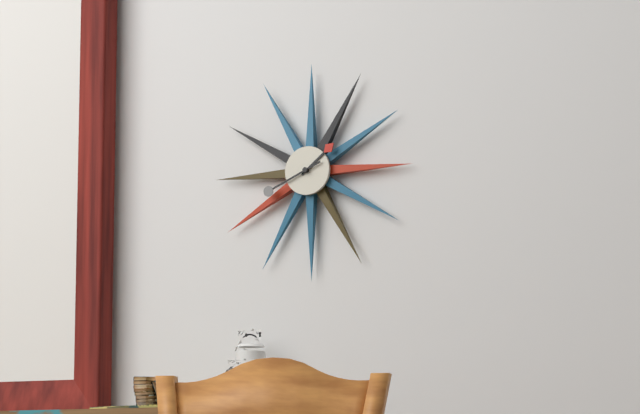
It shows 1 h 41 min
